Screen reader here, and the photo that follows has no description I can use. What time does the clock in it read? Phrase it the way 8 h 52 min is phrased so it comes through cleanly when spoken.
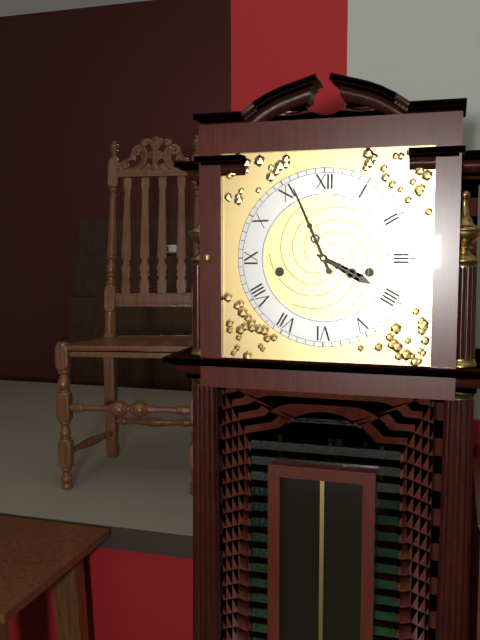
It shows 3 h 56 min
